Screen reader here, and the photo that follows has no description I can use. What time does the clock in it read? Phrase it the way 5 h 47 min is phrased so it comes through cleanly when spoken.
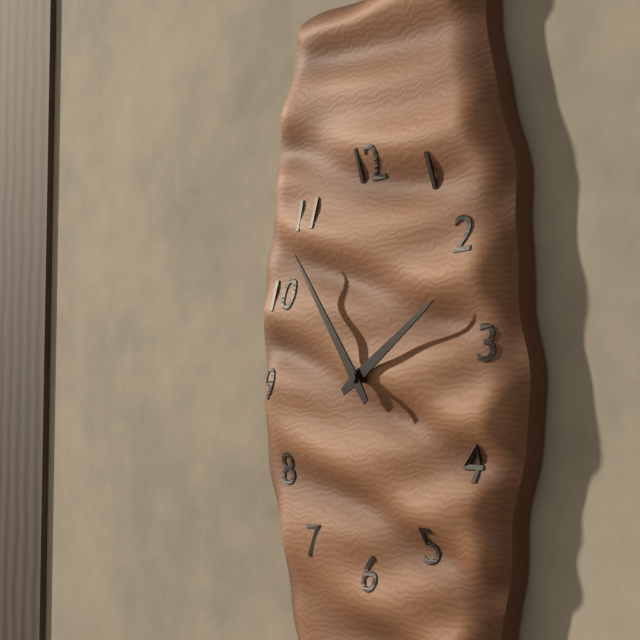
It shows 1 h 54 min
